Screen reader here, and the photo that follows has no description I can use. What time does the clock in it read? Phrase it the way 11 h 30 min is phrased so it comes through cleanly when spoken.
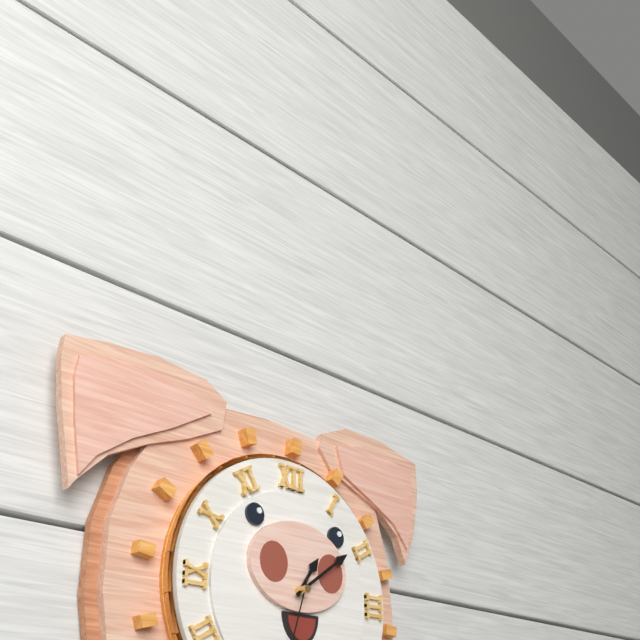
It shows 1 h 09 min
